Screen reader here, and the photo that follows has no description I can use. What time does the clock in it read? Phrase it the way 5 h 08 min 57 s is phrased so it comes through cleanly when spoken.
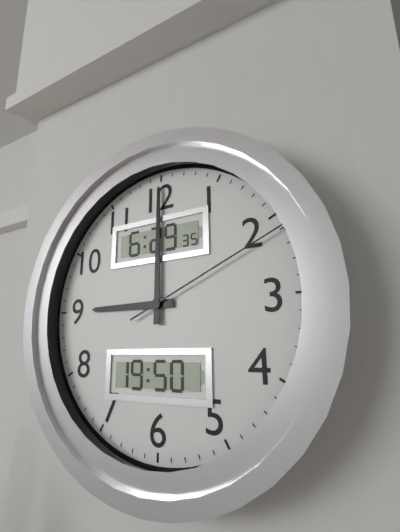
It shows 9 h 00 min 11 s
